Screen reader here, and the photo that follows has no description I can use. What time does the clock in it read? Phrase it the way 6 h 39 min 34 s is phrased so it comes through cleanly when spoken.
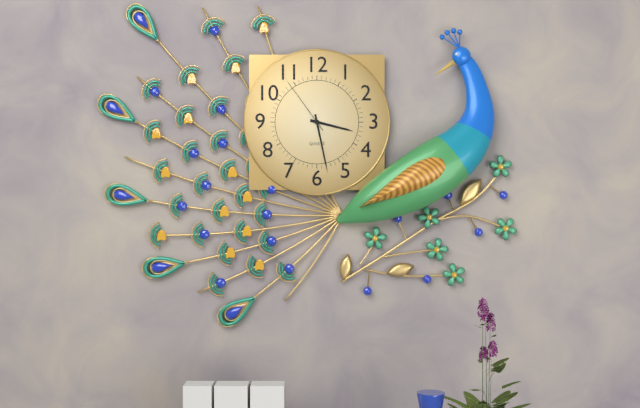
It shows 3 h 28 min 54 s
